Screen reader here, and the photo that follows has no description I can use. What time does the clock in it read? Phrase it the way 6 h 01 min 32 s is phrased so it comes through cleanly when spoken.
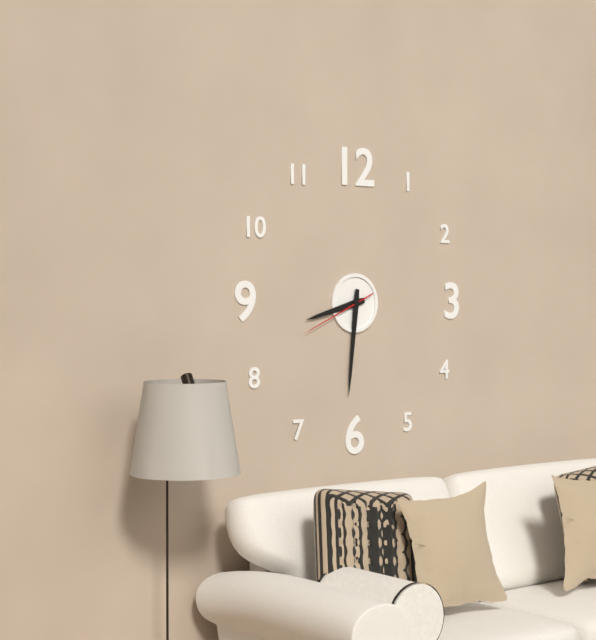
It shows 8 h 31 min 41 s
